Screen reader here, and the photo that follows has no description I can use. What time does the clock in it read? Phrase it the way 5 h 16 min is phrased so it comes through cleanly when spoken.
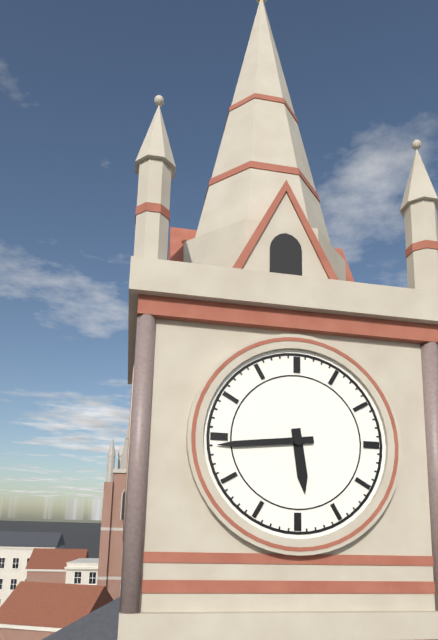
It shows 5 h 44 min
